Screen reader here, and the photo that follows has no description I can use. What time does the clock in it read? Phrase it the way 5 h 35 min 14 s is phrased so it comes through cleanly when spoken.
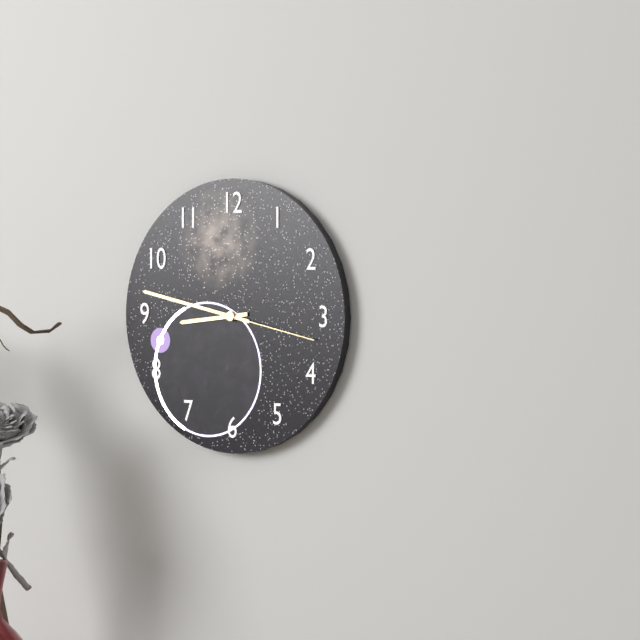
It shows 8 h 47 min 17 s
